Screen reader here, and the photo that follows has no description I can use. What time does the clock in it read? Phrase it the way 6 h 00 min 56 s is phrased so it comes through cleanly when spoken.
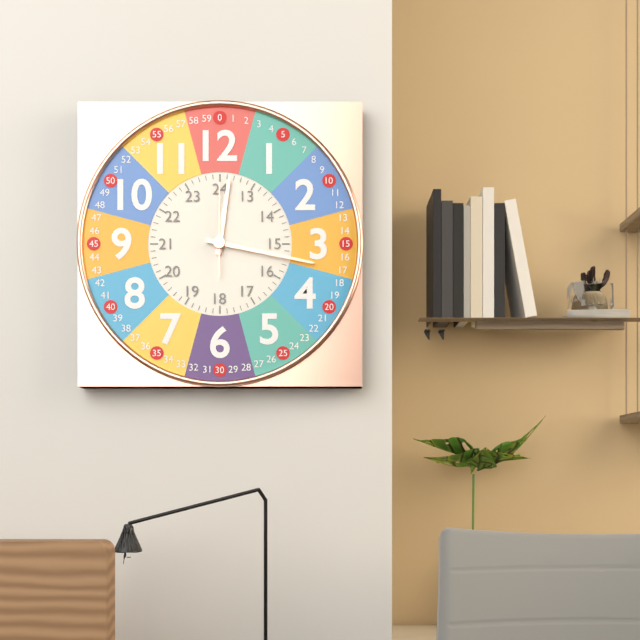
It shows 12 h 17 min 00 s
